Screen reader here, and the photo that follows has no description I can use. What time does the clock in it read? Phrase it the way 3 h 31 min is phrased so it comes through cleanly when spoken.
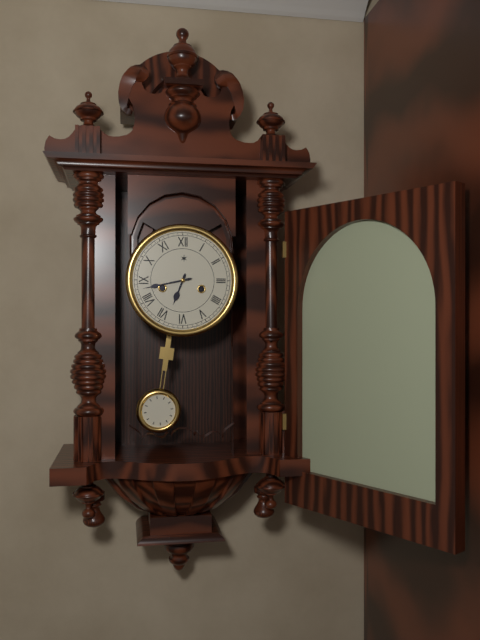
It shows 6 h 43 min
